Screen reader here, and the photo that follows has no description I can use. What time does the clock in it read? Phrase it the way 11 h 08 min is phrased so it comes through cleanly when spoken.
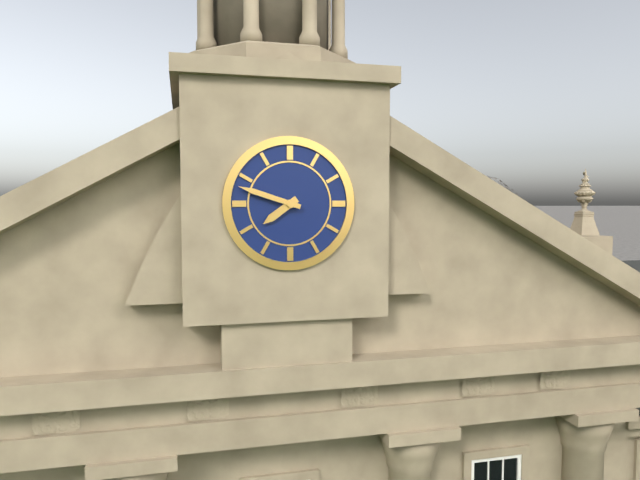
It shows 7 h 48 min
